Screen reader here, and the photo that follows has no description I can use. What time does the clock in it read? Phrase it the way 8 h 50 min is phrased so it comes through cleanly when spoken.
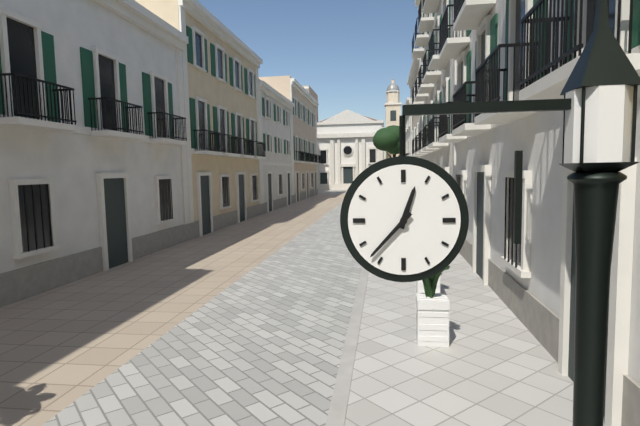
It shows 12 h 37 min
